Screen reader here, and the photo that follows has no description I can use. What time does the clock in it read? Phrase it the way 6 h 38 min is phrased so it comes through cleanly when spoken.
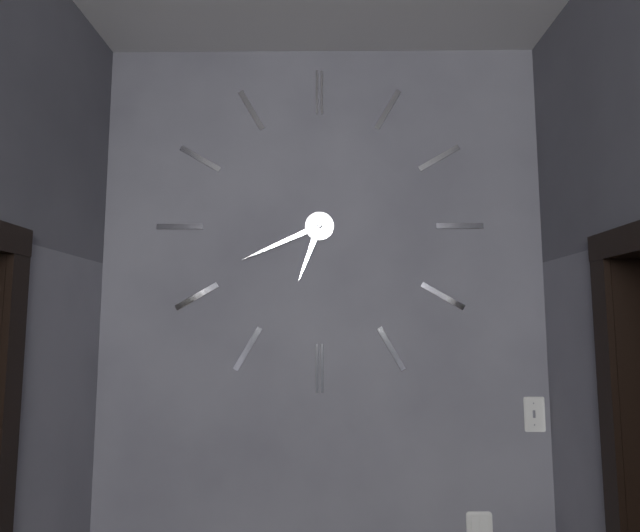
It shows 6 h 41 min
